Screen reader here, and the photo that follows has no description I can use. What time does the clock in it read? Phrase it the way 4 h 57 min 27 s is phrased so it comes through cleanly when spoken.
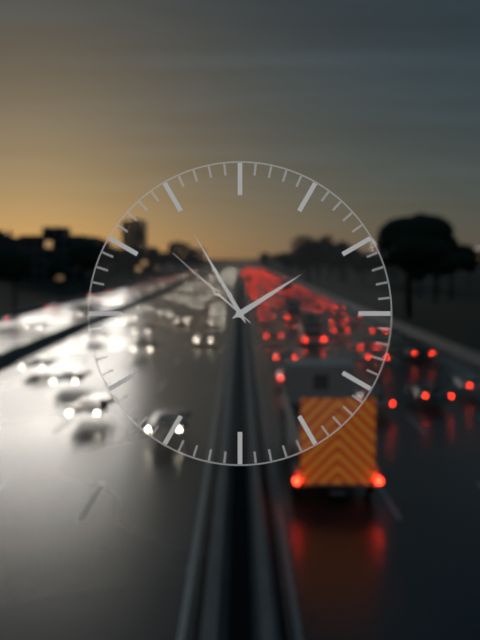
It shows 1 h 55 min 52 s
